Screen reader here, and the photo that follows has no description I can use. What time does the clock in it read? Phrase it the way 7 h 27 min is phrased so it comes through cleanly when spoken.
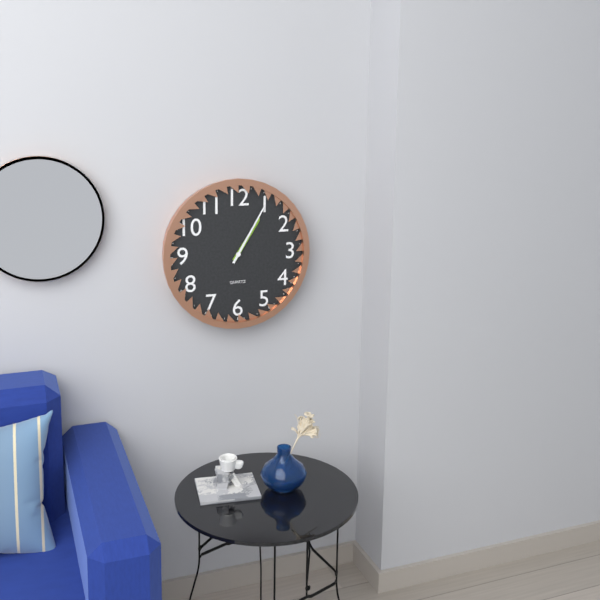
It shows 1 h 05 min
